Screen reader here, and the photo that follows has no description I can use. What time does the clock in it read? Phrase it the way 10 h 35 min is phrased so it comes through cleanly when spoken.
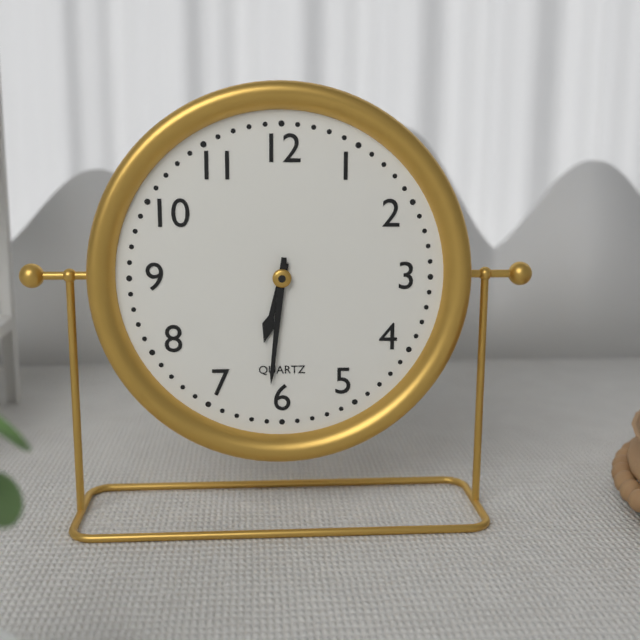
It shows 6 h 31 min
